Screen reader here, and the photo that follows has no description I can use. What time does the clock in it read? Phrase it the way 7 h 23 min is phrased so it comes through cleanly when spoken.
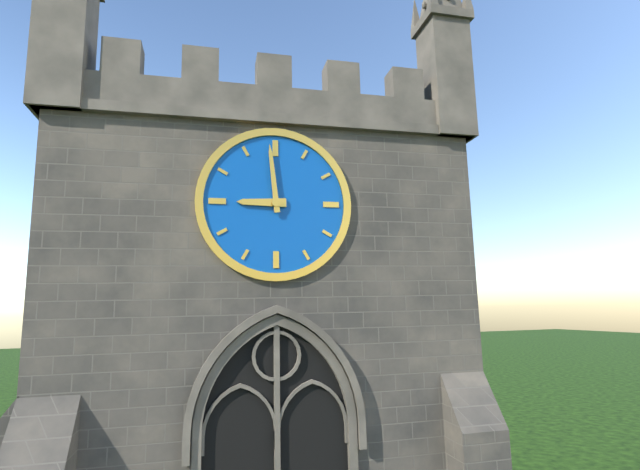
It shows 8 h 59 min
